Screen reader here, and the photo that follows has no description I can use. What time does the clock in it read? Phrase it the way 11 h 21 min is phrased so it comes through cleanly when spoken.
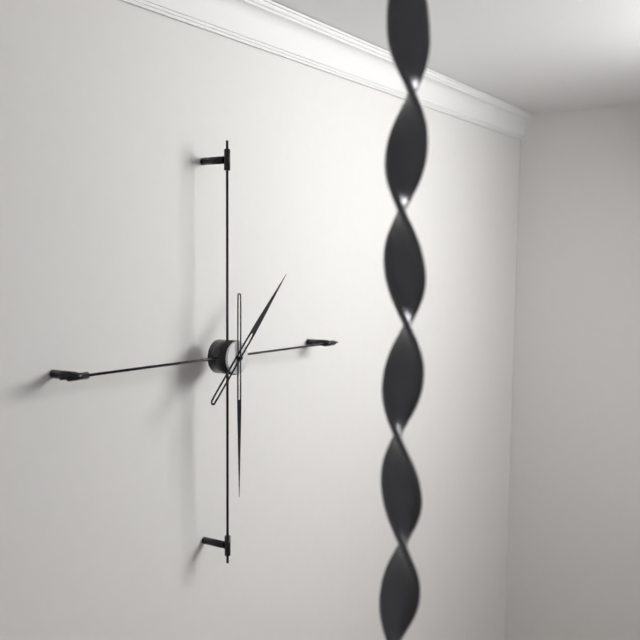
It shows 1 h 30 min
